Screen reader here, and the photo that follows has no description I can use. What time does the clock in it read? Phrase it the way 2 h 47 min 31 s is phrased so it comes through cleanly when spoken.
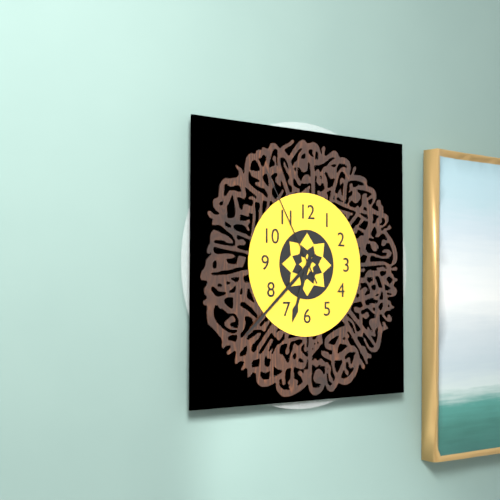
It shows 6 h 38 min 55 s
